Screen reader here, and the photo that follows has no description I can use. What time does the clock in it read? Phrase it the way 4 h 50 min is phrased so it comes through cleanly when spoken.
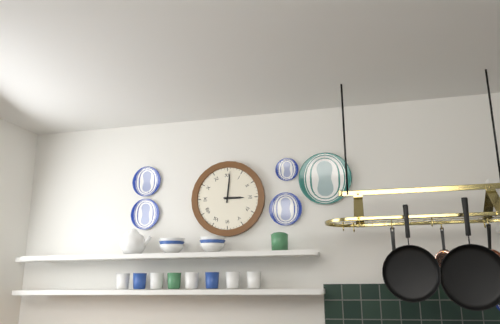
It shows 3 h 01 min
